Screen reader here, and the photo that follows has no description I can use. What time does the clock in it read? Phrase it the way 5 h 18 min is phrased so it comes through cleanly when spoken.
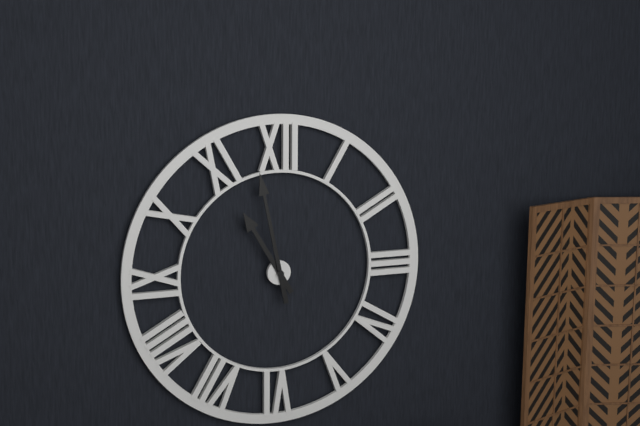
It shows 10 h 58 min
